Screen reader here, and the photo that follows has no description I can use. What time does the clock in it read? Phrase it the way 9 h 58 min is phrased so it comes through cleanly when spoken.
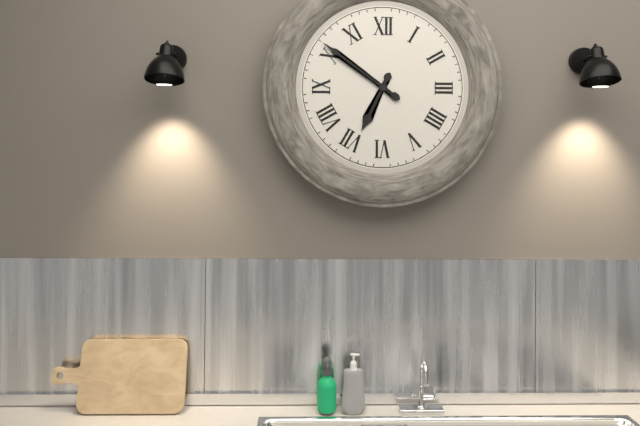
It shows 6 h 51 min
